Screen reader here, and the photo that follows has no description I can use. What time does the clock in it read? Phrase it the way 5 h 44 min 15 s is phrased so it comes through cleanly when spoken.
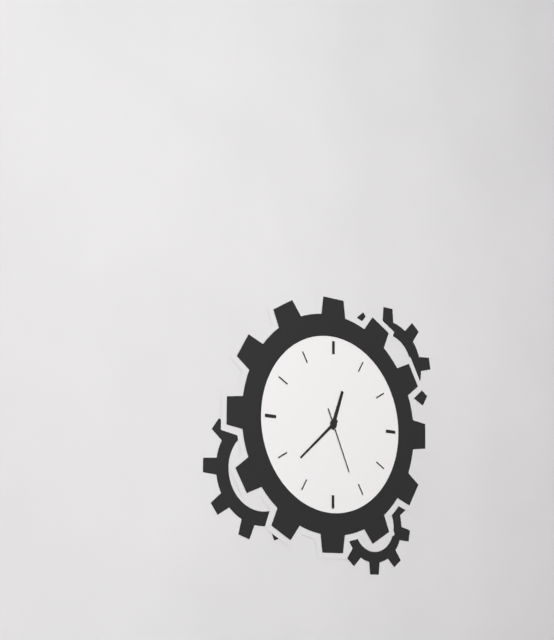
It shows 12 h 38 min 26 s
